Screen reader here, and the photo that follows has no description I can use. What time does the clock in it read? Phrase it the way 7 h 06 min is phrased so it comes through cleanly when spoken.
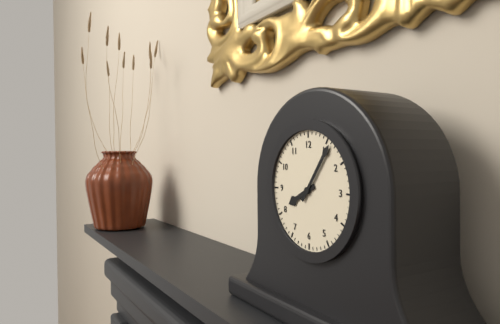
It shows 8 h 06 min
